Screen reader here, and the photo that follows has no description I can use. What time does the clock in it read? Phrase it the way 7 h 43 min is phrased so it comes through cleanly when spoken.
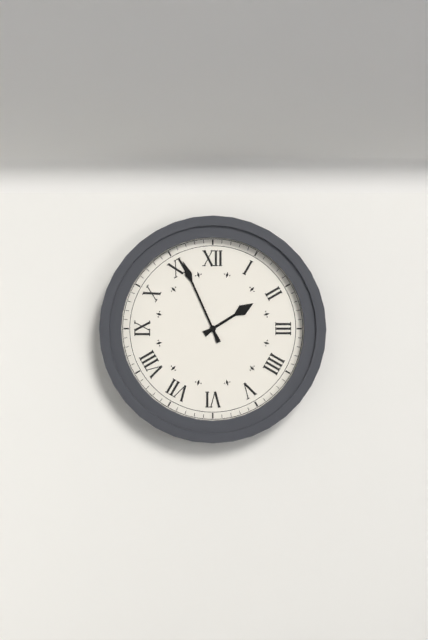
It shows 1 h 56 min
